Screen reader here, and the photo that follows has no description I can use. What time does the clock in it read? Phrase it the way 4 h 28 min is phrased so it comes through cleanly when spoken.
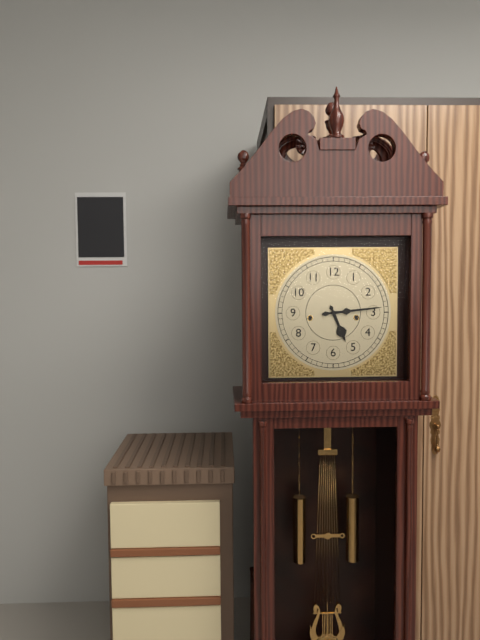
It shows 5 h 14 min
